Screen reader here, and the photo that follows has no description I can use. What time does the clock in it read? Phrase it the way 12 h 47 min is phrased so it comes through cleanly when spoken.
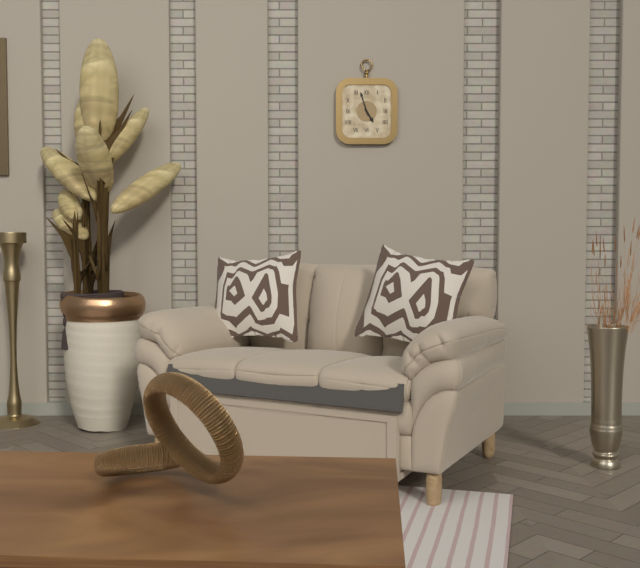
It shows 4 h 57 min
